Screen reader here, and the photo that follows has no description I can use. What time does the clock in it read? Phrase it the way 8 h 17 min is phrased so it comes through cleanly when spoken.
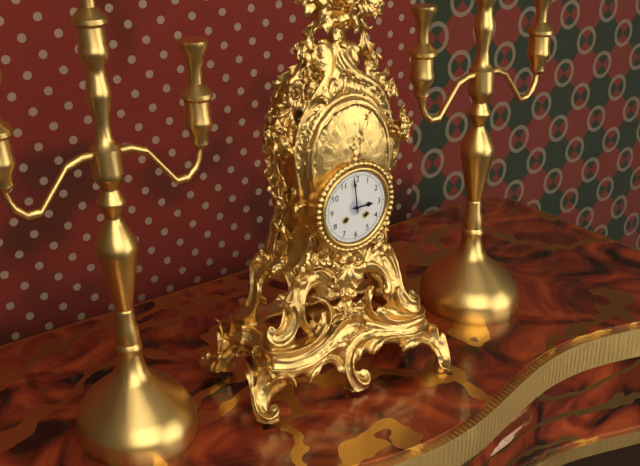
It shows 2 h 59 min
